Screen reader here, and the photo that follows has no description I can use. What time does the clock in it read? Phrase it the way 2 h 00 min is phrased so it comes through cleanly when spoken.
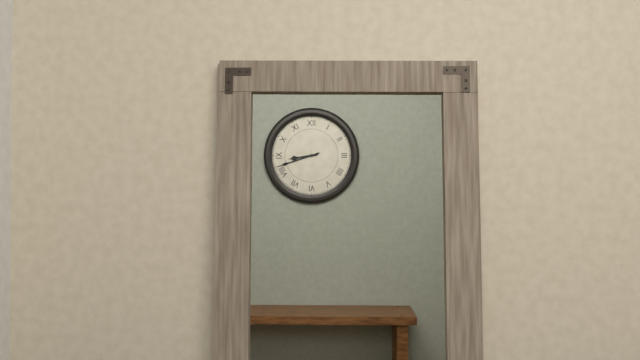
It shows 8 h 42 min
